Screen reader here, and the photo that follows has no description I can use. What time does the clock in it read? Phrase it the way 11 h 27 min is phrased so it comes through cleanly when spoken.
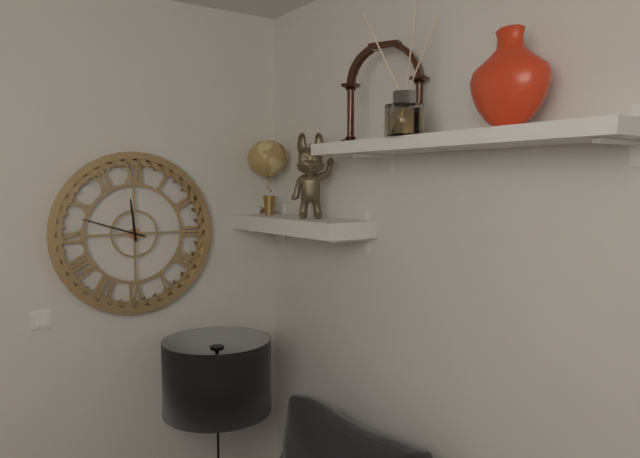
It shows 11 h 48 min
